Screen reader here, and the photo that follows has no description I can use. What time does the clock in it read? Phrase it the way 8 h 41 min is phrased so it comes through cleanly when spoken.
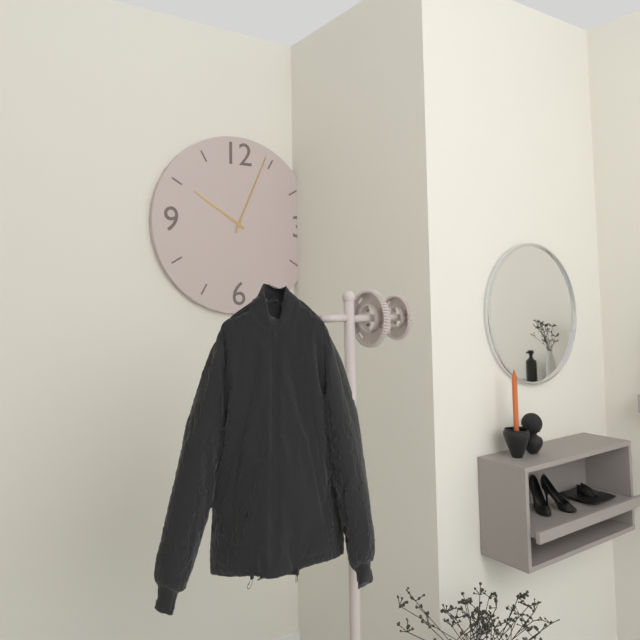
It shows 10 h 04 min
